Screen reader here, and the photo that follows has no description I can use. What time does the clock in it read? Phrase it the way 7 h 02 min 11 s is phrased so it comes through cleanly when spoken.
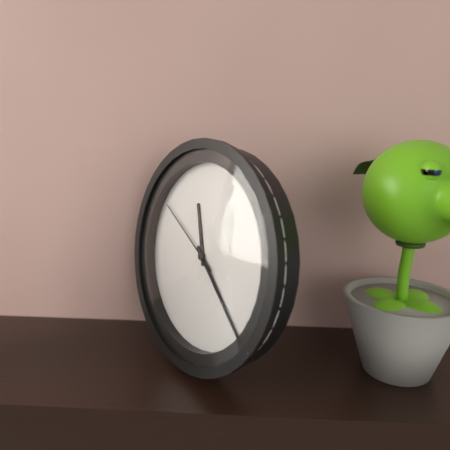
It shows 11 h 22 min 50 s
